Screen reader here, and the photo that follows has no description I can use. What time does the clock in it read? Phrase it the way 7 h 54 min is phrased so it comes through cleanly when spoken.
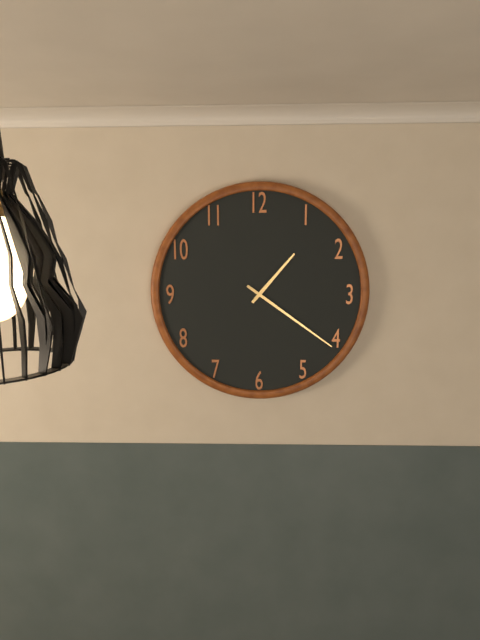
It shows 1 h 21 min
